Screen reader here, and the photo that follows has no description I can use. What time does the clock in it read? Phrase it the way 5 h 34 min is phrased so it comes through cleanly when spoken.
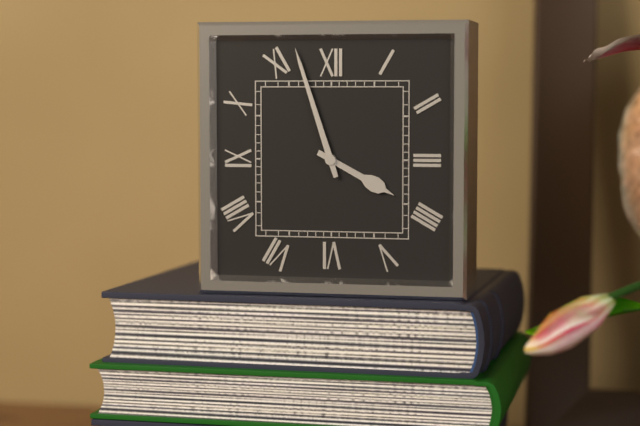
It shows 3 h 57 min
